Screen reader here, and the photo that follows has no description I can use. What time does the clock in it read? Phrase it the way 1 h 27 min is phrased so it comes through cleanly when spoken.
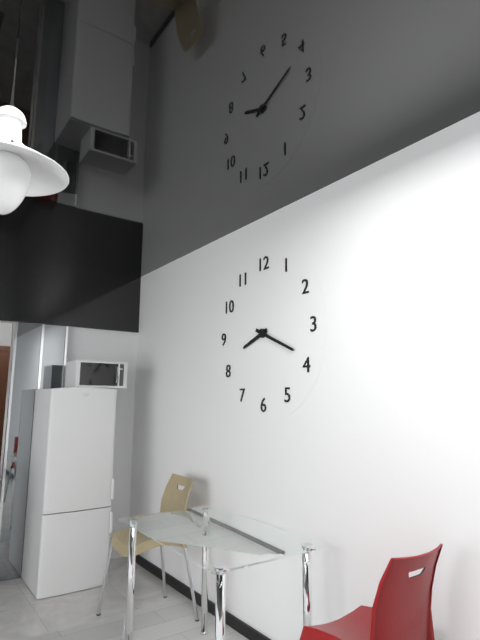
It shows 8 h 19 min
